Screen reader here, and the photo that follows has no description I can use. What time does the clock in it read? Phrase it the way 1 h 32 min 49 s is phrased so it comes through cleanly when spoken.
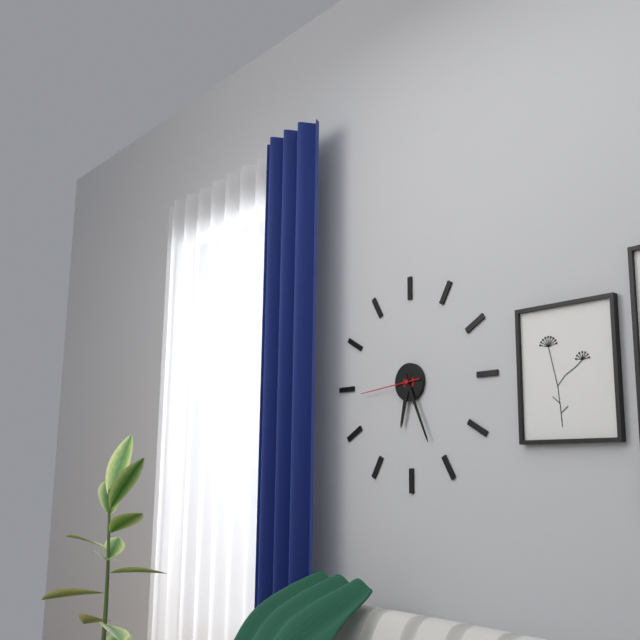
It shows 6 h 26 min 44 s
